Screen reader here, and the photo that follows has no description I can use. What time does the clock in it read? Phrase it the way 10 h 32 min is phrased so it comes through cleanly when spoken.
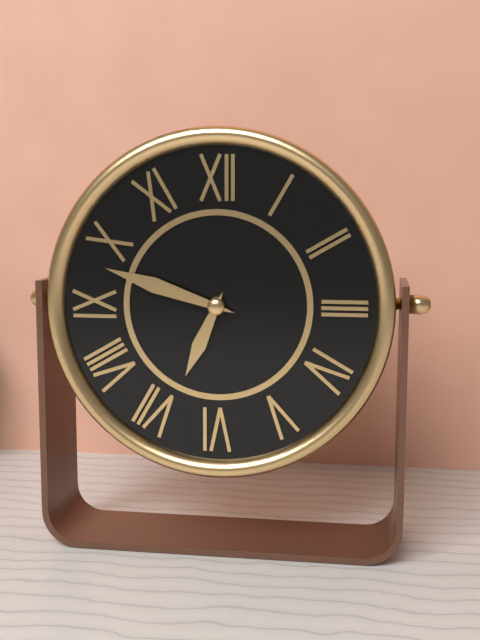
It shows 6 h 48 min
